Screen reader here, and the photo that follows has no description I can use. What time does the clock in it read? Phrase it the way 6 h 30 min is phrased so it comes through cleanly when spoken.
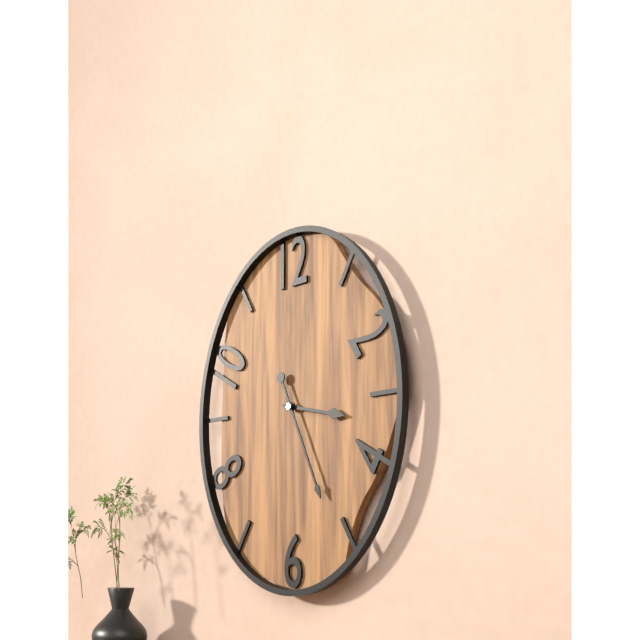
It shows 3 h 26 min
